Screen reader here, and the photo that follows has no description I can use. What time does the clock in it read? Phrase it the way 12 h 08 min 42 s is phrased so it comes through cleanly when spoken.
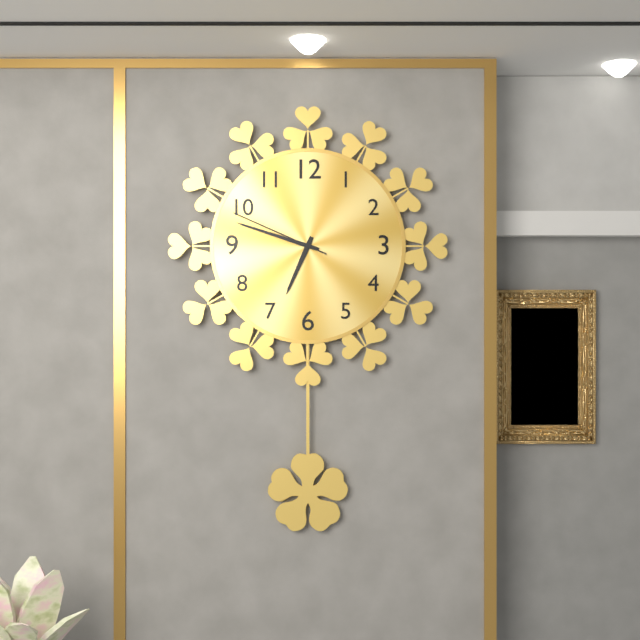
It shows 6 h 48 min 49 s
